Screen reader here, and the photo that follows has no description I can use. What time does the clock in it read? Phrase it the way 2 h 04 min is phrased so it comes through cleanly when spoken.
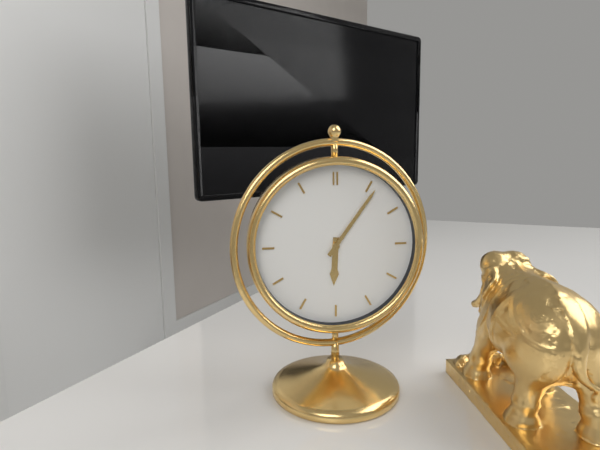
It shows 6 h 06 min
